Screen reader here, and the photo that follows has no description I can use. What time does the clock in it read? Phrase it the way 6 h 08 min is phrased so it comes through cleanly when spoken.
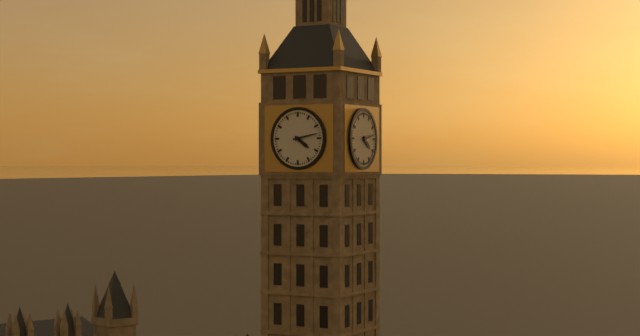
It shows 4 h 13 min
